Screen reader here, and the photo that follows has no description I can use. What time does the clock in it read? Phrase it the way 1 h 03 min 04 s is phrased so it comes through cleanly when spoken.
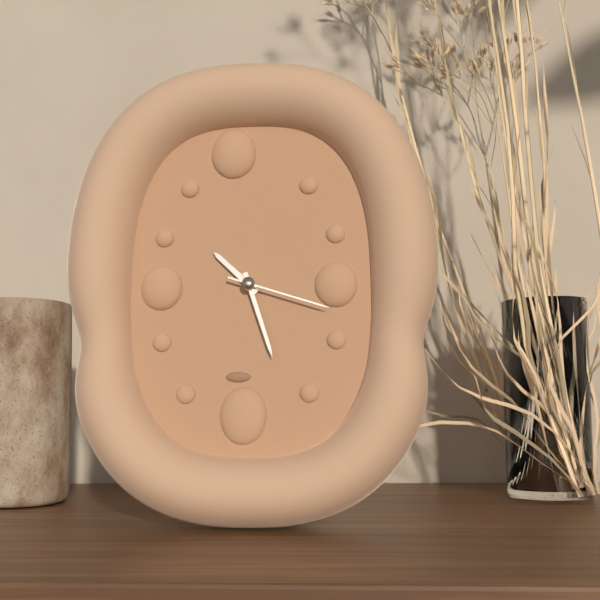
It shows 10 h 27 min 18 s
